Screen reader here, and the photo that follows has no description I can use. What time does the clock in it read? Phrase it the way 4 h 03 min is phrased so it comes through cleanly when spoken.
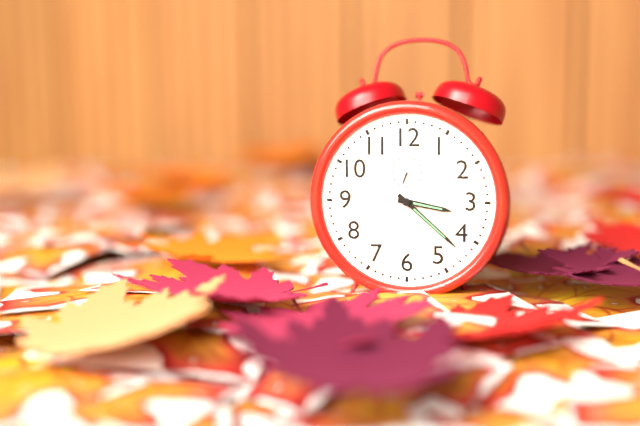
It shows 3 h 22 min
